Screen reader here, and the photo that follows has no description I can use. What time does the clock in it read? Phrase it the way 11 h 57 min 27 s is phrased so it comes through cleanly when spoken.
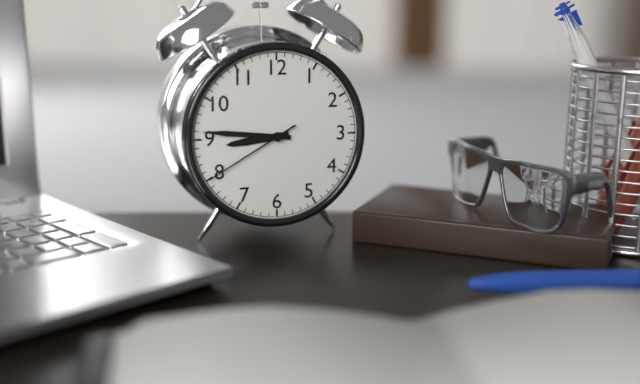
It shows 8 h 46 min 40 s
